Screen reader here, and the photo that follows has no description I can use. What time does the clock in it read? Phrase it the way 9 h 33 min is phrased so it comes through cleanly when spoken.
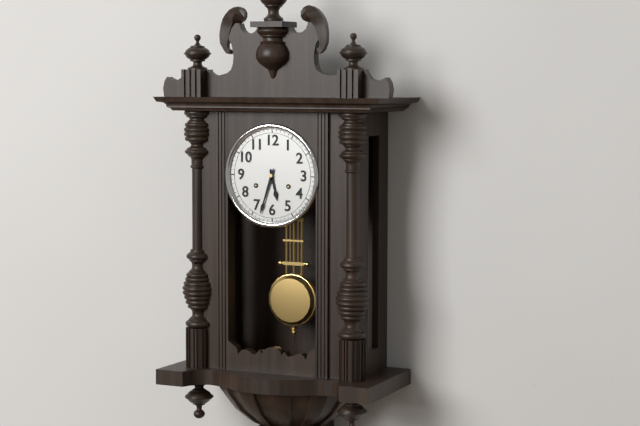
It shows 5 h 33 min
